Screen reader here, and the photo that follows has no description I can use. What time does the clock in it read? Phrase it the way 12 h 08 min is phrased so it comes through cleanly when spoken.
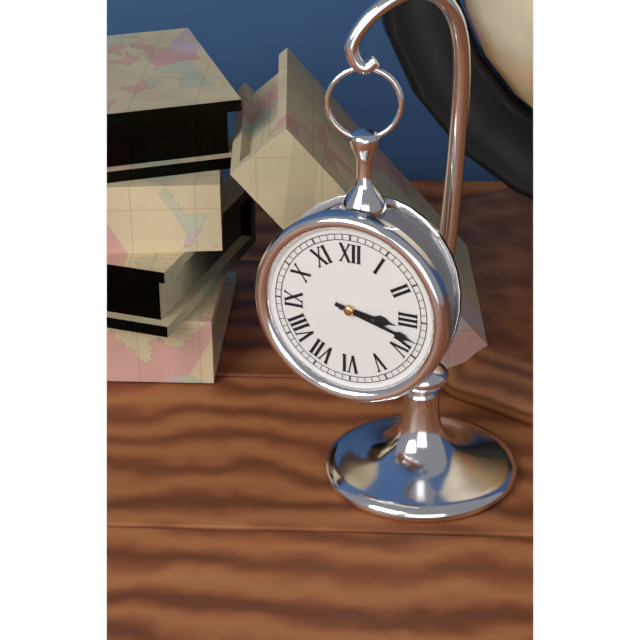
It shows 3 h 18 min
